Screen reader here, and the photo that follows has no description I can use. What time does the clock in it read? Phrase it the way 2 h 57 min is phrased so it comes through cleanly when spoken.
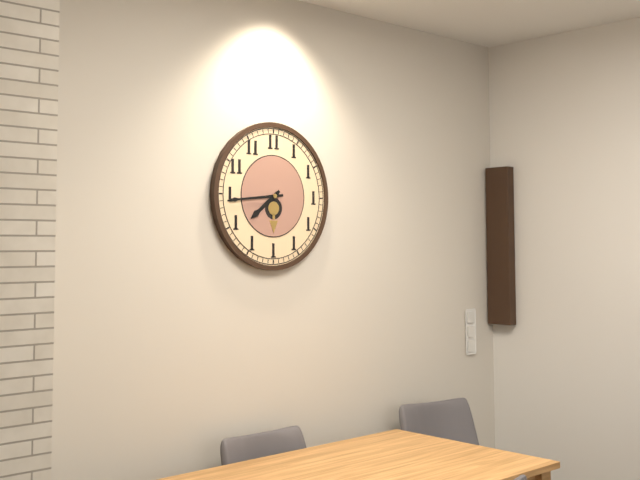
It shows 7 h 44 min
